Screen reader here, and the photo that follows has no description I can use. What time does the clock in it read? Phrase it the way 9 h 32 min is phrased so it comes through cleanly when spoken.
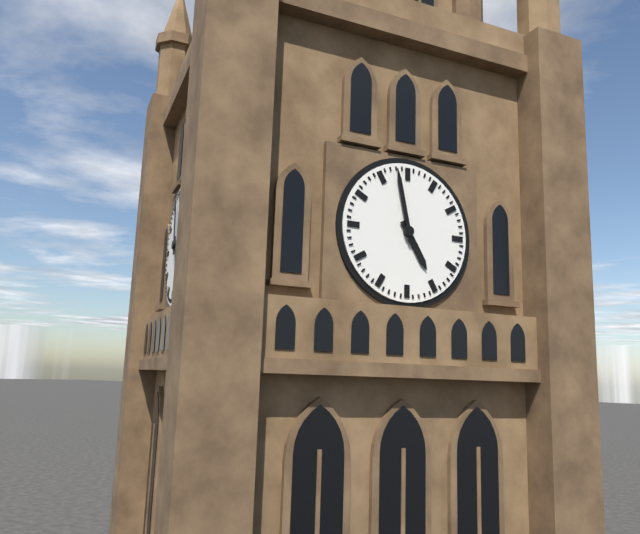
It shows 4 h 58 min
